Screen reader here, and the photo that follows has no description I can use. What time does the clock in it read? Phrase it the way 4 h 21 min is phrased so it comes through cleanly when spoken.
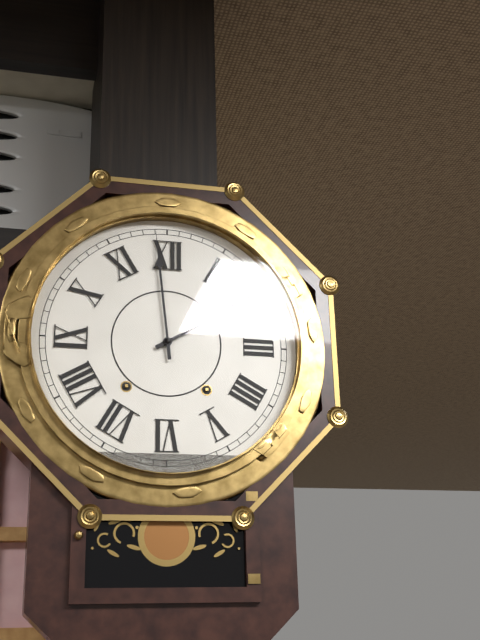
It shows 1 h 59 min
